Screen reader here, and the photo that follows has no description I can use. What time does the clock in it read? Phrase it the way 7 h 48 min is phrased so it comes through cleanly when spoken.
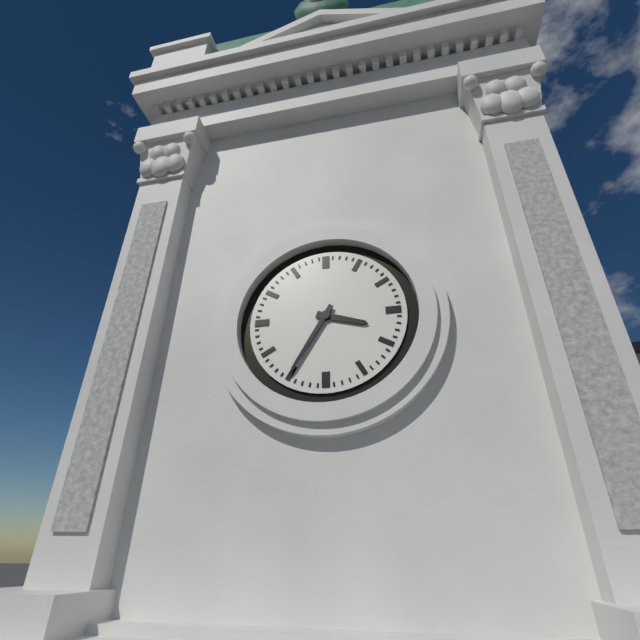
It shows 3 h 35 min
